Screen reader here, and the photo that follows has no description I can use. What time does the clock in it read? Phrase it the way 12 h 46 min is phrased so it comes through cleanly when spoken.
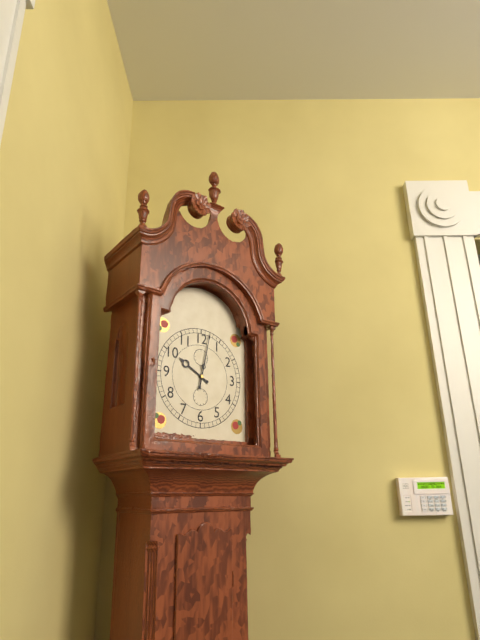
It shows 10 h 02 min
